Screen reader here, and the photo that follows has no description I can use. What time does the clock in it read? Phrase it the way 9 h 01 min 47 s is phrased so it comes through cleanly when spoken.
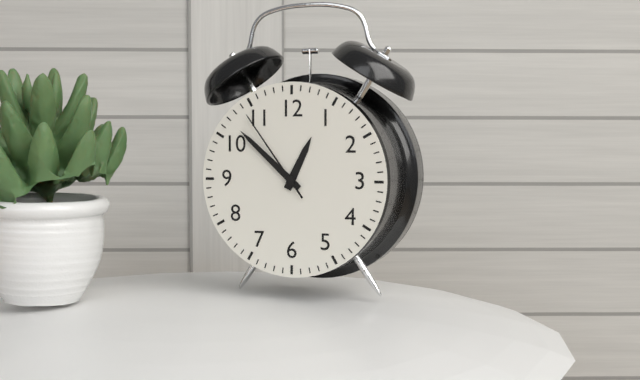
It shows 12 h 52 min 54 s
